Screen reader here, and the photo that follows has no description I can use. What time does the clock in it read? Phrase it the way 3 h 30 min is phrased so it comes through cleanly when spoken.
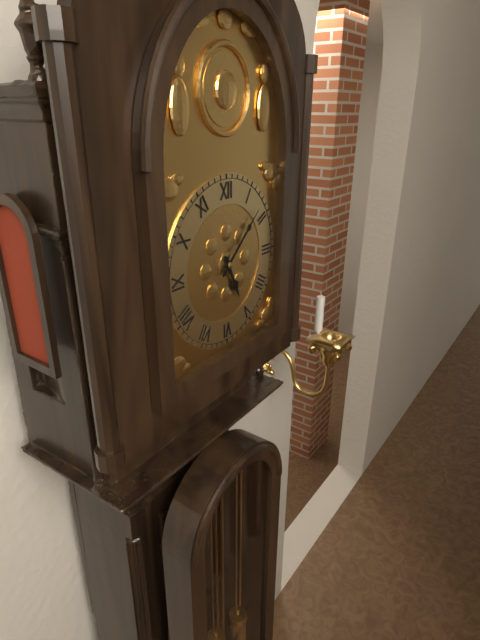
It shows 5 h 08 min
